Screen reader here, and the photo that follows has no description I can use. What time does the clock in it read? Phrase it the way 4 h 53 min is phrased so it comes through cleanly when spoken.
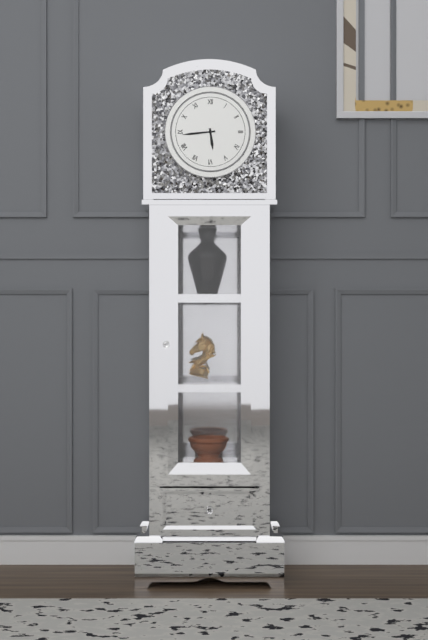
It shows 5 h 44 min
